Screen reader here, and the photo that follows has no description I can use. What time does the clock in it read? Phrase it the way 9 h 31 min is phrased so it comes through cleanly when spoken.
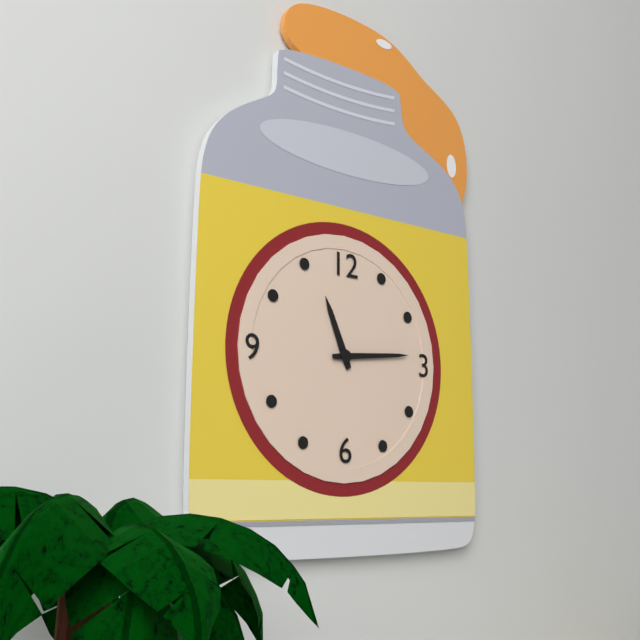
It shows 11 h 14 min
